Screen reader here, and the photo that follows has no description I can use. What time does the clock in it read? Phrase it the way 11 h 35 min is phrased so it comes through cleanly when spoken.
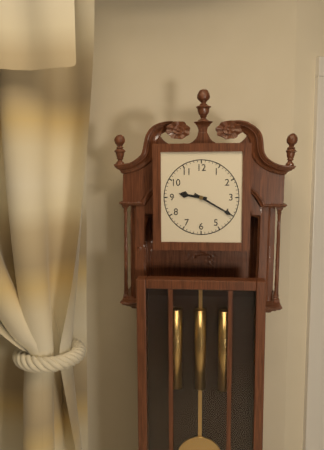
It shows 9 h 20 min
